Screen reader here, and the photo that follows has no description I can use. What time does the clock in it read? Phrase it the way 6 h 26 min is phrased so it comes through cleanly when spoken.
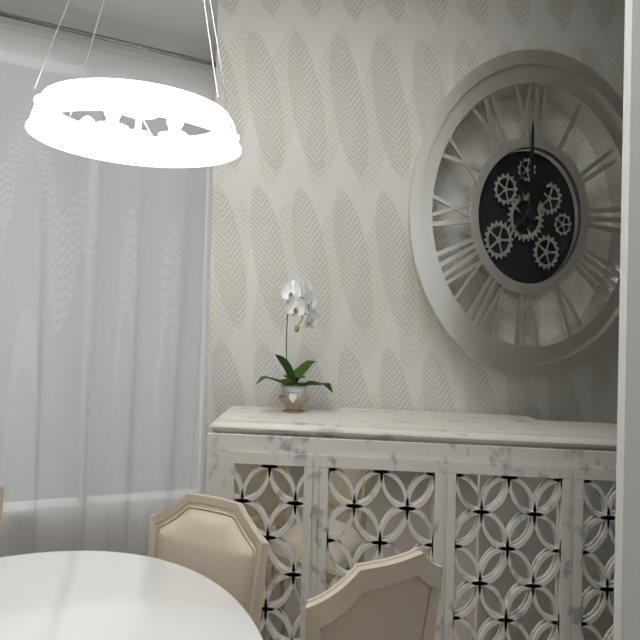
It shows 1 h 00 min
